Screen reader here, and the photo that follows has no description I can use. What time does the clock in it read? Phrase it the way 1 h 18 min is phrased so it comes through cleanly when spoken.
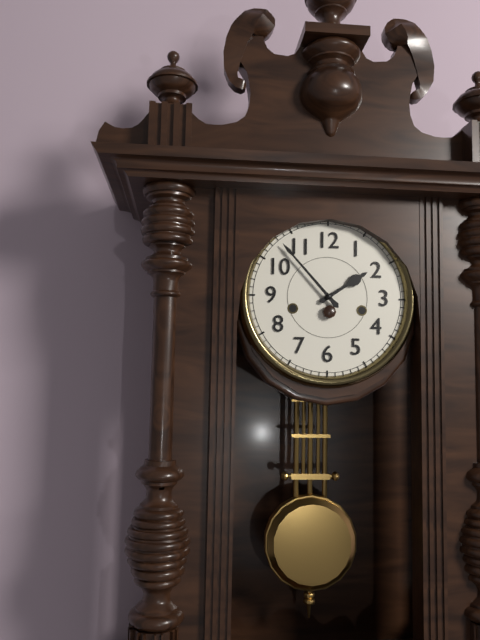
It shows 1 h 53 min
